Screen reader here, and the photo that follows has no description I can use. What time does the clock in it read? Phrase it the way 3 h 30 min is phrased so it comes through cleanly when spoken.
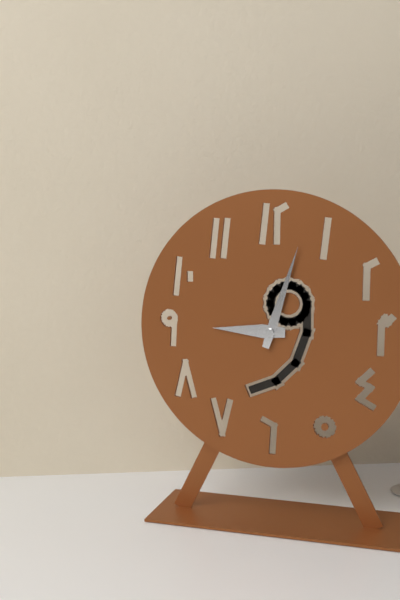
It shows 9 h 03 min
